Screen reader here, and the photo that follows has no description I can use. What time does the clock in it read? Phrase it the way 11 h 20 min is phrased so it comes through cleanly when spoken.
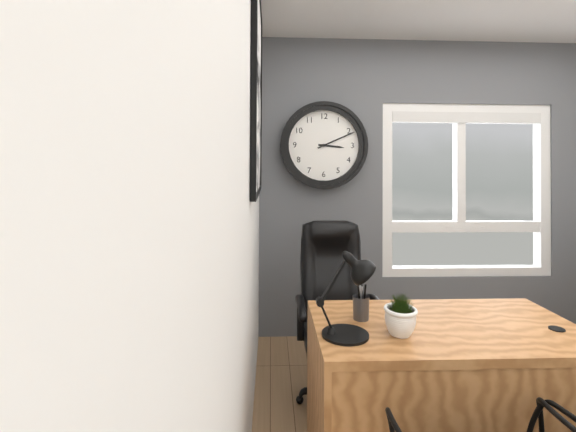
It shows 3 h 11 min
